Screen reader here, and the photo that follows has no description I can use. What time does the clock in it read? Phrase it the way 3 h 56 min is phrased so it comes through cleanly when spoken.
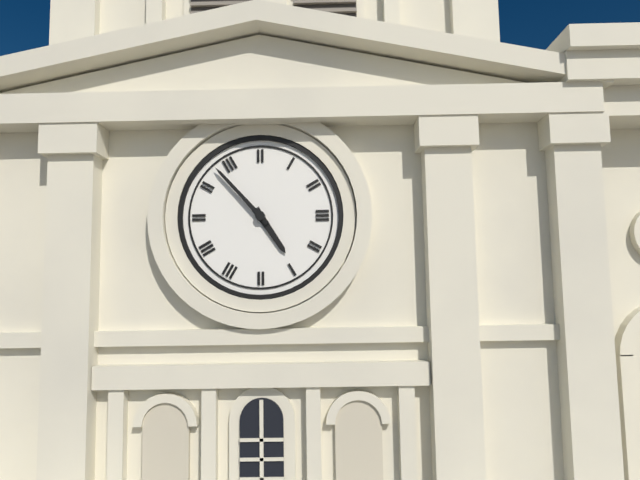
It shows 4 h 53 min
